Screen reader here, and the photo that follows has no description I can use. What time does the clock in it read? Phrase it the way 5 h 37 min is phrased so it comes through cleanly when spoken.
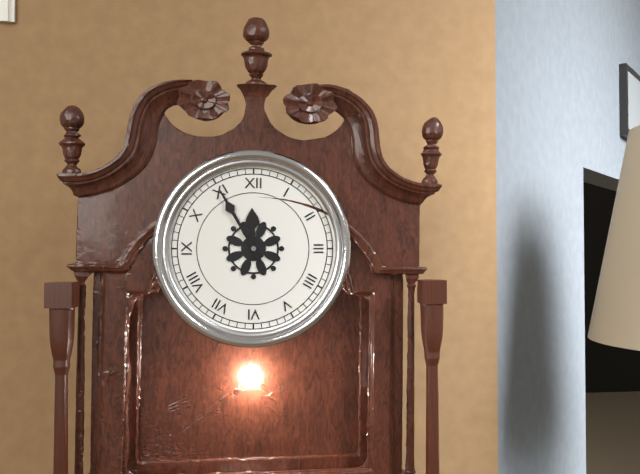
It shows 11 h 55 min
